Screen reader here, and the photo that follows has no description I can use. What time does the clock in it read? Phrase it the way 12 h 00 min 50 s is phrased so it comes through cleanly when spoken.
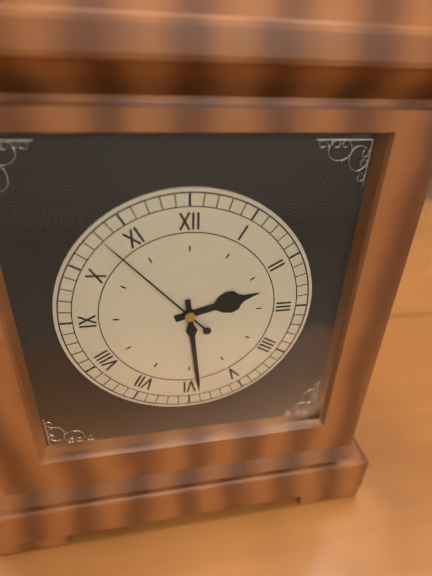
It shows 2 h 29 min 53 s
